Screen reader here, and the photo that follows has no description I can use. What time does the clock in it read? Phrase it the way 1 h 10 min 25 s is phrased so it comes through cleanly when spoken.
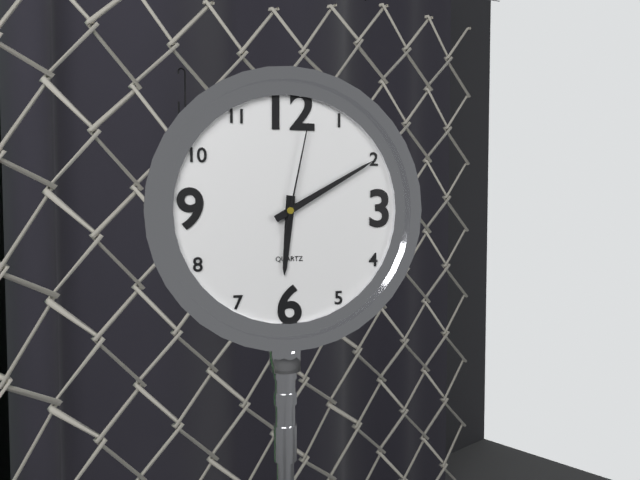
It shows 6 h 10 min 02 s
